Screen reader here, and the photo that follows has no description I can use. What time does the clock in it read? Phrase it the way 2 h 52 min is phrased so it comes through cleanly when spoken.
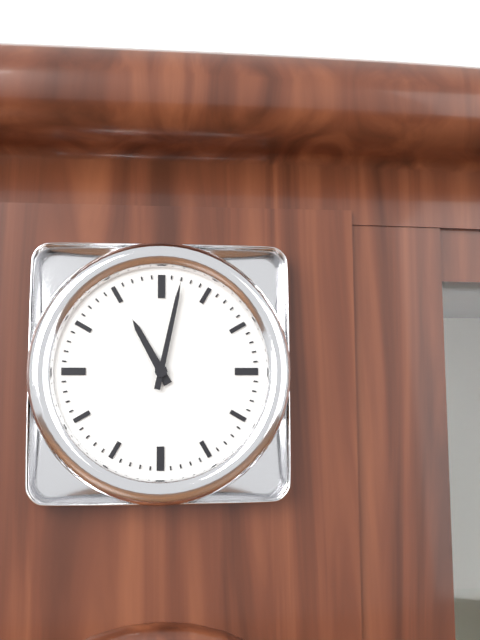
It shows 11 h 02 min
